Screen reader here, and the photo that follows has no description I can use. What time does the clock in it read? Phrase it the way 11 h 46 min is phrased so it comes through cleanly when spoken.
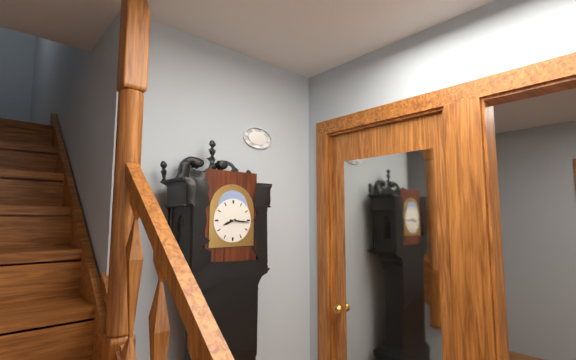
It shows 8 h 16 min
